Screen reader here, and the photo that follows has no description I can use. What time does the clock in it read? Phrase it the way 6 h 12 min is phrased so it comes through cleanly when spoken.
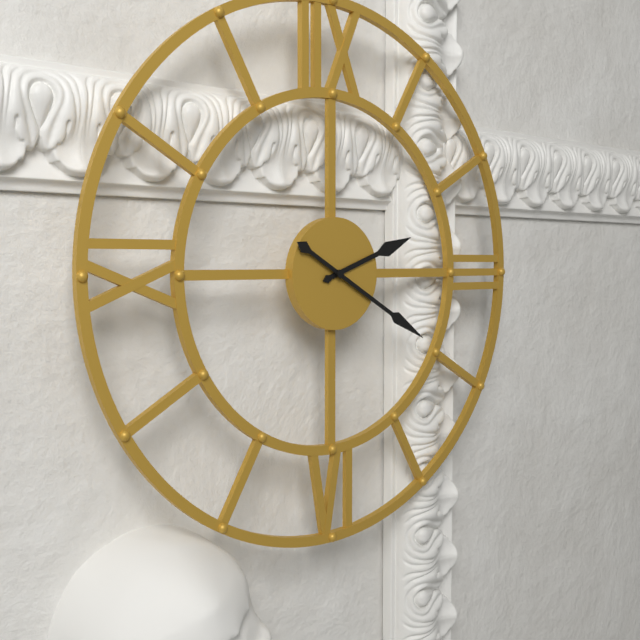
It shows 2 h 20 min
